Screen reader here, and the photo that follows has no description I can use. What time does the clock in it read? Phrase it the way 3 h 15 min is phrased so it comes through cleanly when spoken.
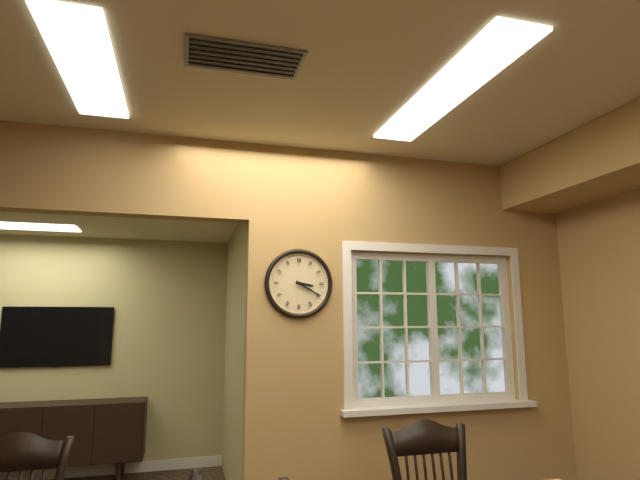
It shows 3 h 20 min
